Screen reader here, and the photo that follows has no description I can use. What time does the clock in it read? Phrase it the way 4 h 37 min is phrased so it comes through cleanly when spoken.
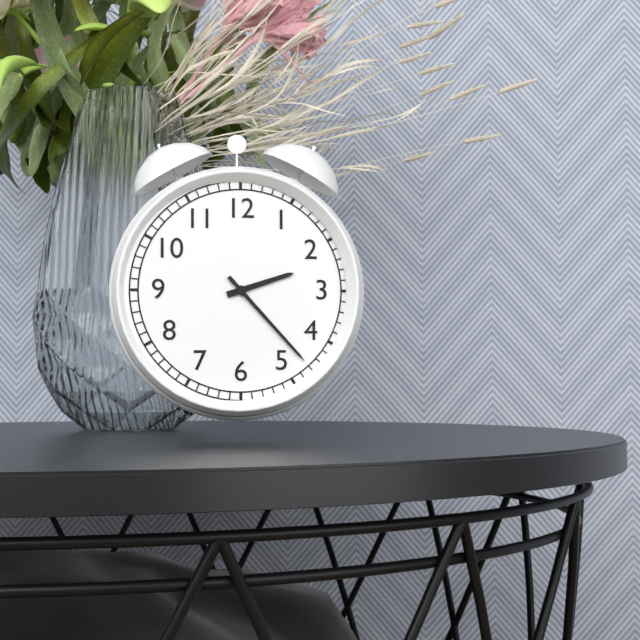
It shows 2 h 23 min
